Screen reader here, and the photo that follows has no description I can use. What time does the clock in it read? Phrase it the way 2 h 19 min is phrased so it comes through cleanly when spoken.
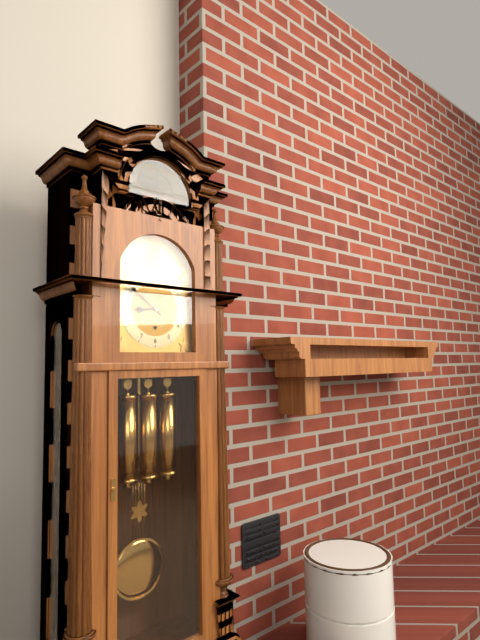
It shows 8 h 51 min
